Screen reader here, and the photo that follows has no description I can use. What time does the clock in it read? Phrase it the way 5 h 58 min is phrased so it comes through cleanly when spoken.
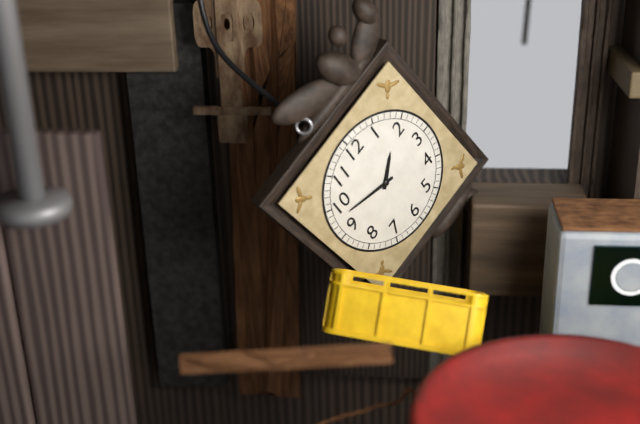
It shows 1 h 48 min
